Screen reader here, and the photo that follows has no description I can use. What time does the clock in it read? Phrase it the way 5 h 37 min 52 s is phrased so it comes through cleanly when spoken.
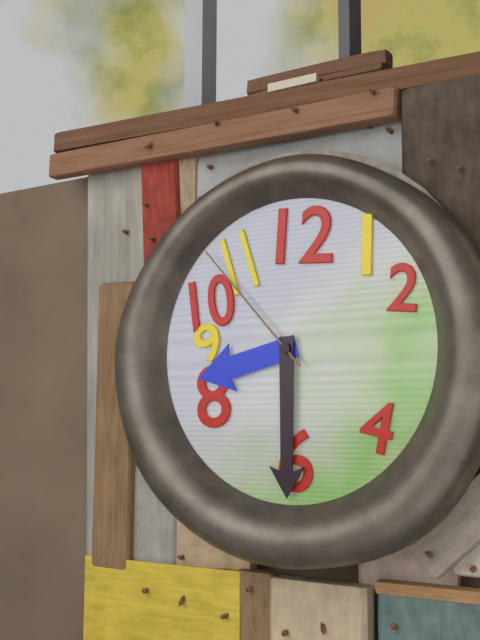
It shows 8 h 30 min 53 s
